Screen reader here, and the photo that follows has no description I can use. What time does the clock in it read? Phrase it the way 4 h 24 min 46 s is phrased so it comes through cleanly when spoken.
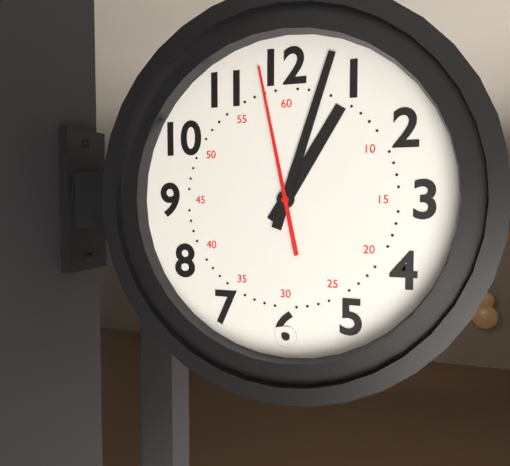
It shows 1 h 03 min 58 s
